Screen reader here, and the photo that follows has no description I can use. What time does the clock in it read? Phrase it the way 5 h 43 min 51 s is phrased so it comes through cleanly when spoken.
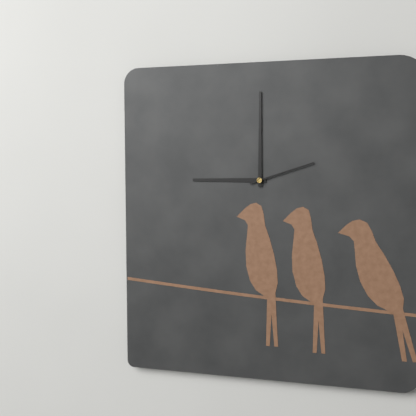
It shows 9 h 00 min 12 s
